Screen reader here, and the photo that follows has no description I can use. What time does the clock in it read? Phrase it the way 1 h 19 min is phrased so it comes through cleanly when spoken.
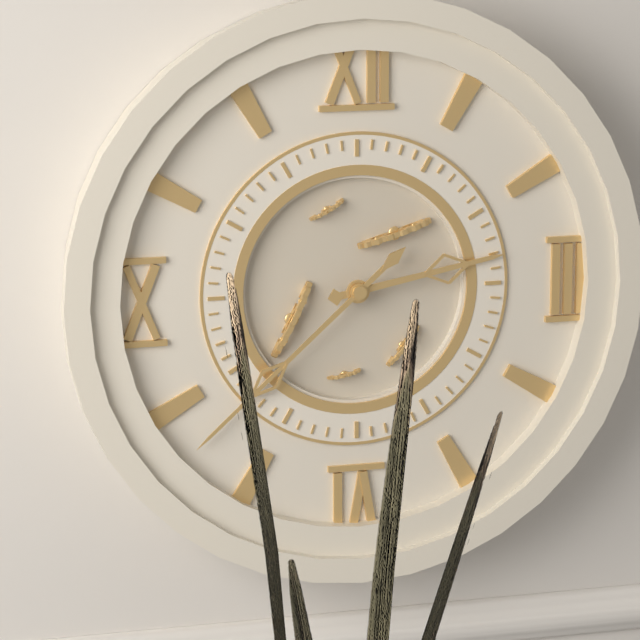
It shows 2 h 38 min
